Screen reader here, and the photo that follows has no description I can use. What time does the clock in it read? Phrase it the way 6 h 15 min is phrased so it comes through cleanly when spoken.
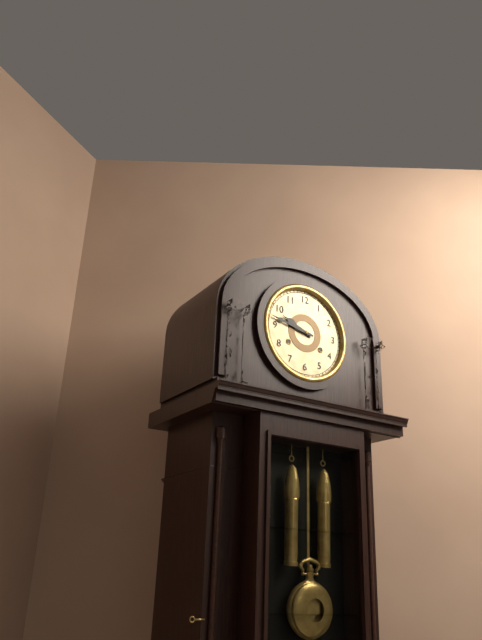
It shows 9 h 47 min
